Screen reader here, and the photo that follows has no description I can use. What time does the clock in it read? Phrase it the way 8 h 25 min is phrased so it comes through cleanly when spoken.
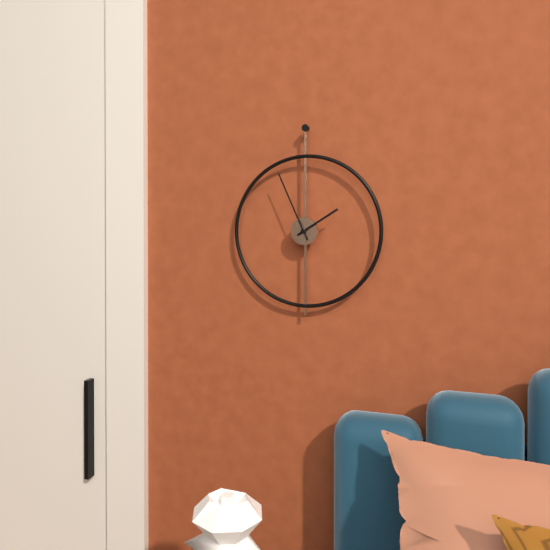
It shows 1 h 56 min
